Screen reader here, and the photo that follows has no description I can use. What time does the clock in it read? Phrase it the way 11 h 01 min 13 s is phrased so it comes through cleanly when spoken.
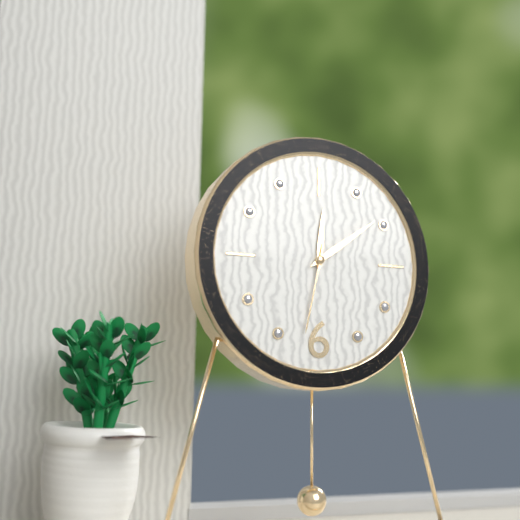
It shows 12 h 09 min 32 s
